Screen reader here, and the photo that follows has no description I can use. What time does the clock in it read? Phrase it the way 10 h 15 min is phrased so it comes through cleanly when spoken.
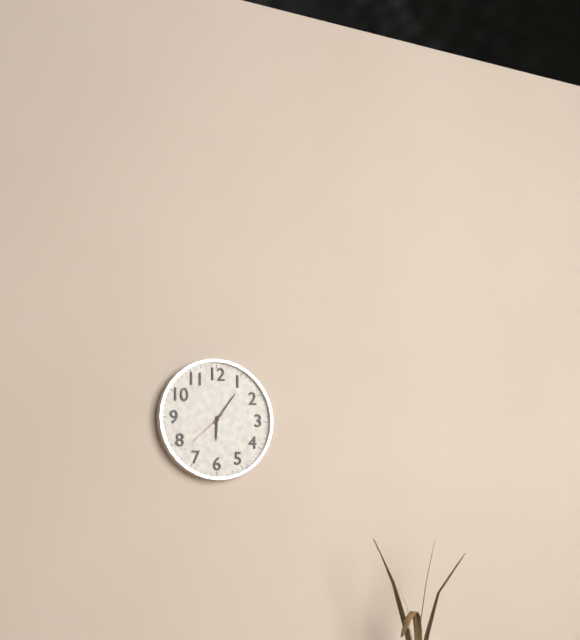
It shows 6 h 06 min
